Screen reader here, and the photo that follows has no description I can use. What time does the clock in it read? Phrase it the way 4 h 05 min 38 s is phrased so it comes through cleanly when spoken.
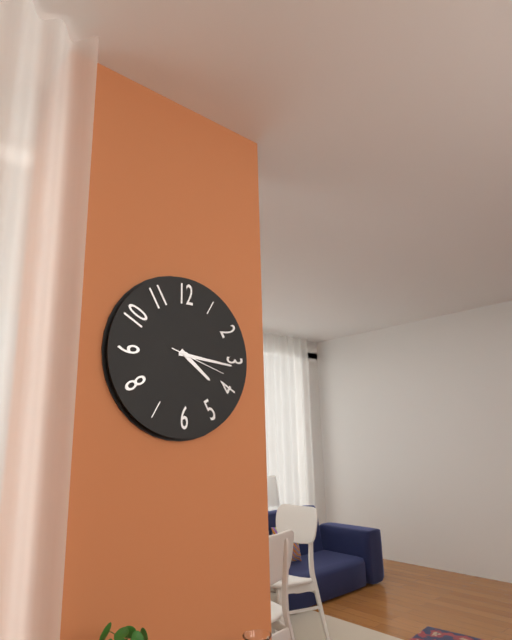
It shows 4 h 16 min 18 s
